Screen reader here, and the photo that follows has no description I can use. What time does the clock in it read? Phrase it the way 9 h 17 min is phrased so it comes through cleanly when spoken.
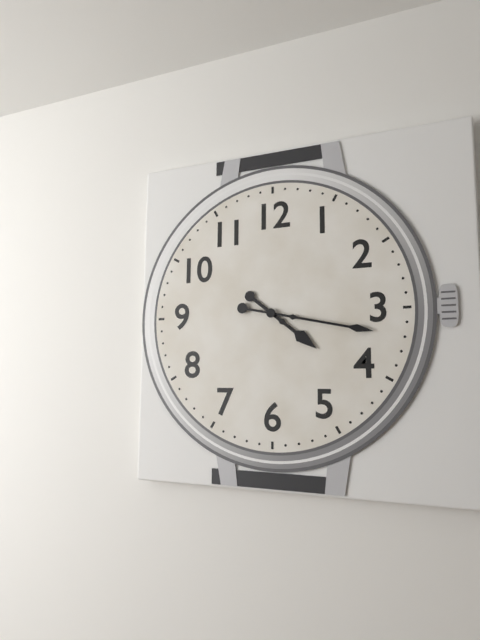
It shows 4 h 17 min
